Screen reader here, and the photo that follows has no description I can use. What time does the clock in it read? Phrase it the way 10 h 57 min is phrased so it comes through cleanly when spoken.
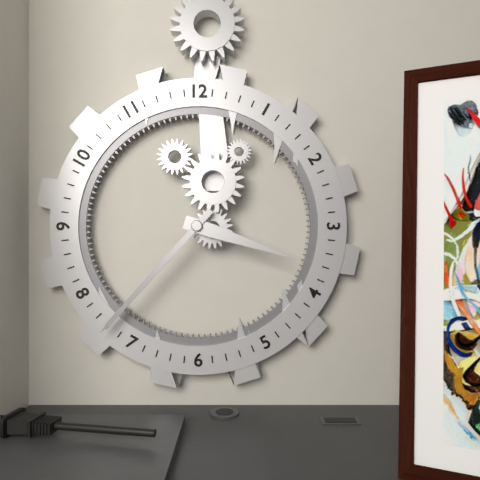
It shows 3 h 37 min
